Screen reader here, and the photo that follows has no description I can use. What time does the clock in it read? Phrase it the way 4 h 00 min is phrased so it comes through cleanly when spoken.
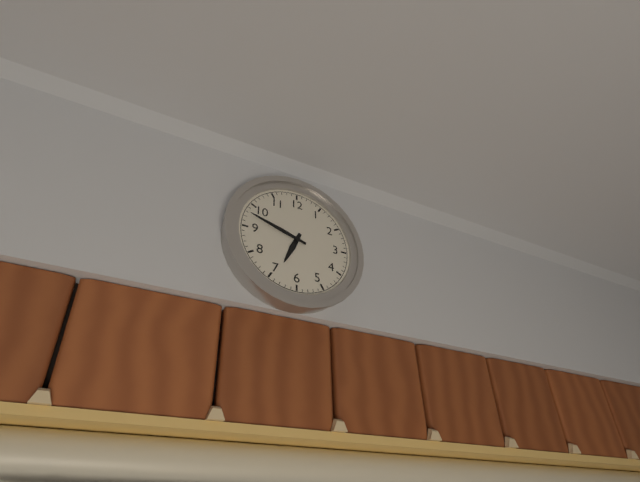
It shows 6 h 48 min
